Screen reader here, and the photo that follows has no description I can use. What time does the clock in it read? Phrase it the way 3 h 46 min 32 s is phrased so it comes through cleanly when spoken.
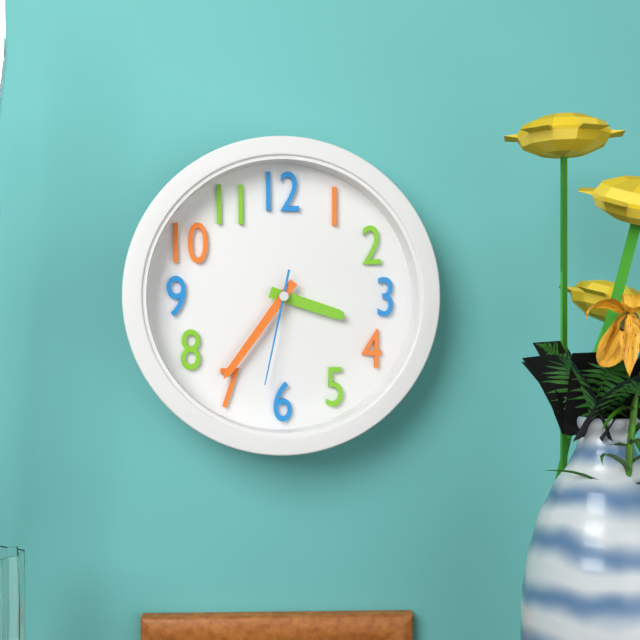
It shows 3 h 36 min 32 s
